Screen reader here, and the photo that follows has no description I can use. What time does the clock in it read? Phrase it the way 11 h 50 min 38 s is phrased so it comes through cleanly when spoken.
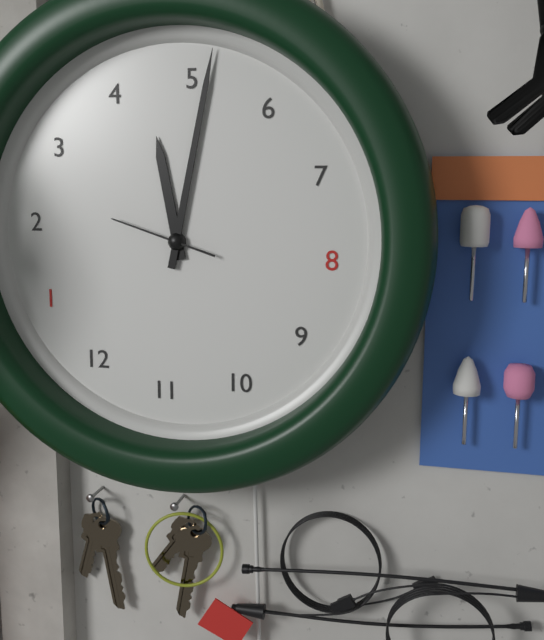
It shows 4 h 26 min 12 s
